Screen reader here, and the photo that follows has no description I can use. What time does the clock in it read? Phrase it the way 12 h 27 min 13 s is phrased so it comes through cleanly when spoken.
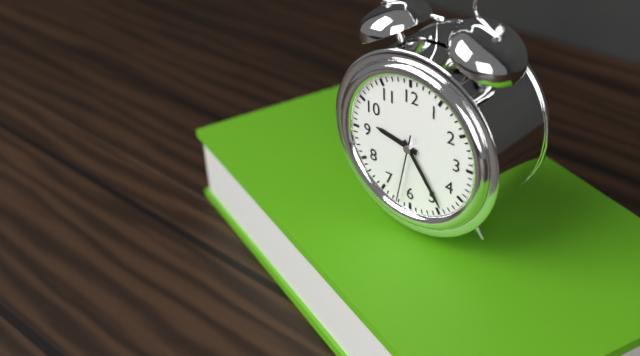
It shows 9 h 24 min 32 s
